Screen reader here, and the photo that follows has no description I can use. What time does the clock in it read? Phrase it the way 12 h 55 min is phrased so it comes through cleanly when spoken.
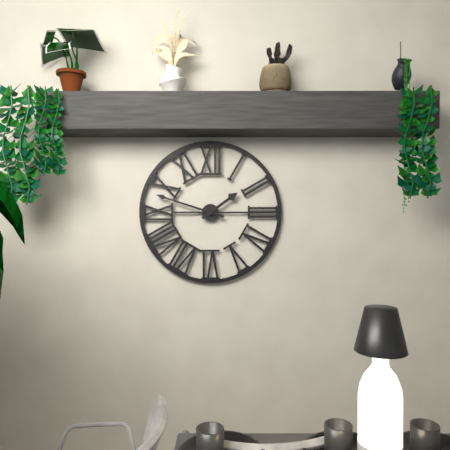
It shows 1 h 48 min
